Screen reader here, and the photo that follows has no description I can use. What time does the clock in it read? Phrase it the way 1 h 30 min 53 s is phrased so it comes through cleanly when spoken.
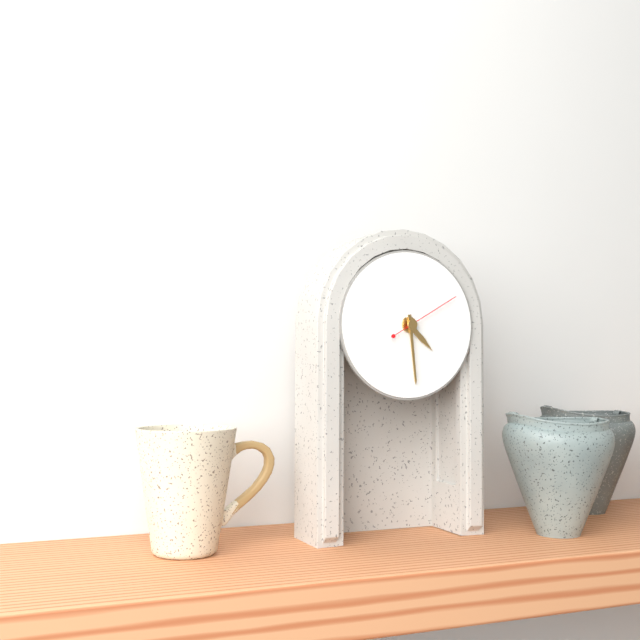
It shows 4 h 29 min 10 s
